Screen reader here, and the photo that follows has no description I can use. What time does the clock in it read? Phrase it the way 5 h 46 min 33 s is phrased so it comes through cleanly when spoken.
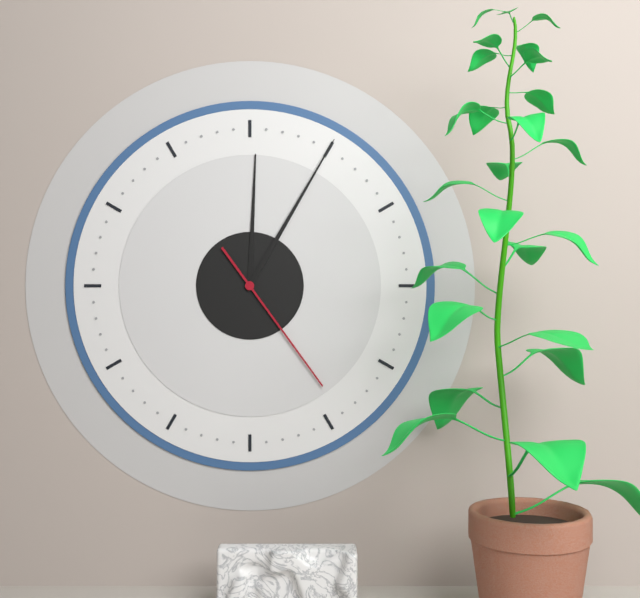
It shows 12 h 05 min 24 s
